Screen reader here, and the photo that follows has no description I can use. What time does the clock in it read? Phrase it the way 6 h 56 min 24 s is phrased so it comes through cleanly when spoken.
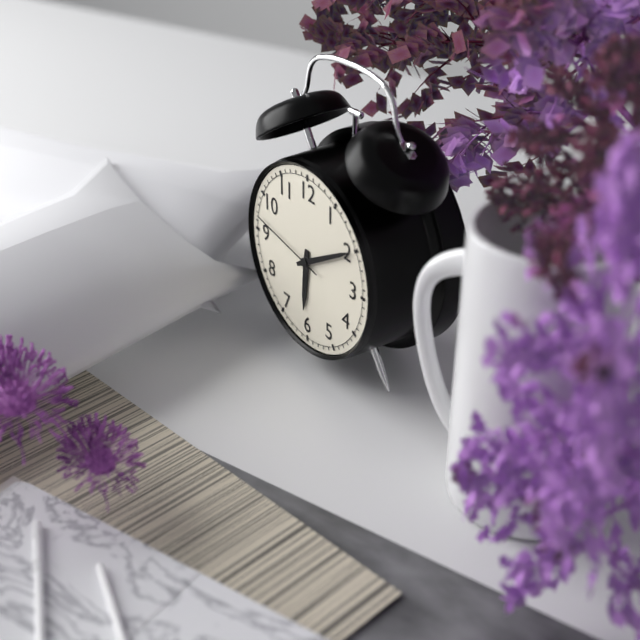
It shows 6 h 10 min 47 s
